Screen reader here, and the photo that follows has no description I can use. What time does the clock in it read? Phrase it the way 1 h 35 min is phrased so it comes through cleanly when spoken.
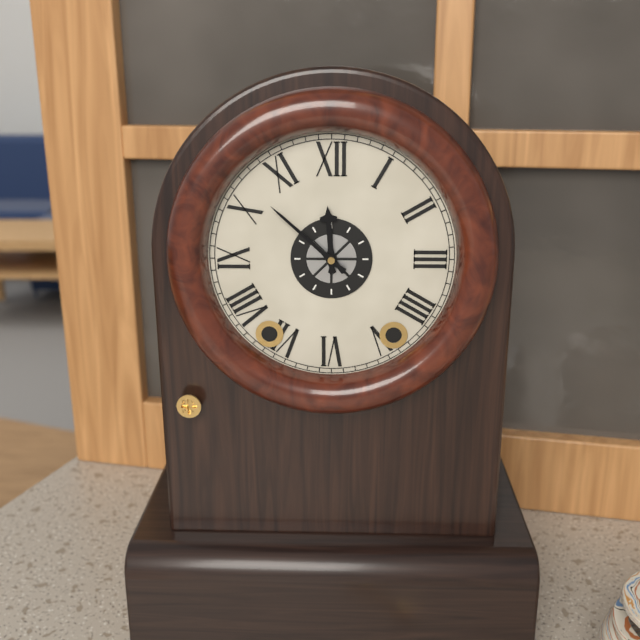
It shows 11 h 52 min
